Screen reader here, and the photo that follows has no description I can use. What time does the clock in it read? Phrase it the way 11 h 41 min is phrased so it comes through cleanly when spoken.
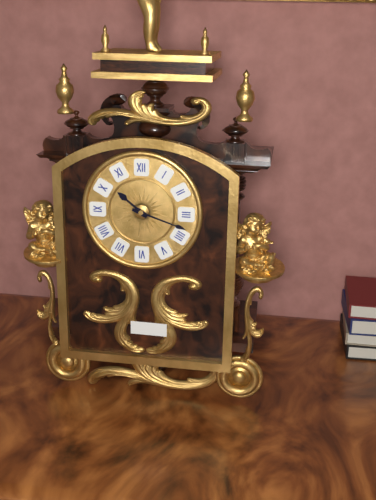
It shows 10 h 18 min
